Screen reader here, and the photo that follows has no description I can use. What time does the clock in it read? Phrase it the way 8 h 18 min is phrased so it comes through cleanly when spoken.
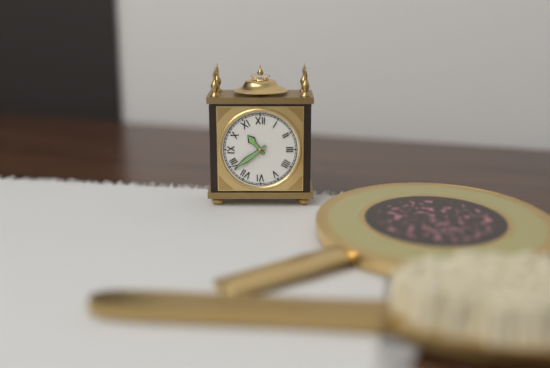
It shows 10 h 39 min
